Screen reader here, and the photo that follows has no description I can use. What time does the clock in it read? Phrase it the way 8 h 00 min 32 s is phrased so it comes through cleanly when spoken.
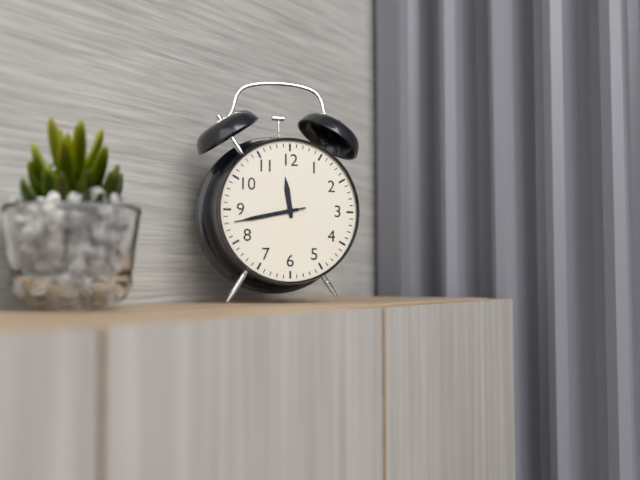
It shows 11 h 43 min 43 s
